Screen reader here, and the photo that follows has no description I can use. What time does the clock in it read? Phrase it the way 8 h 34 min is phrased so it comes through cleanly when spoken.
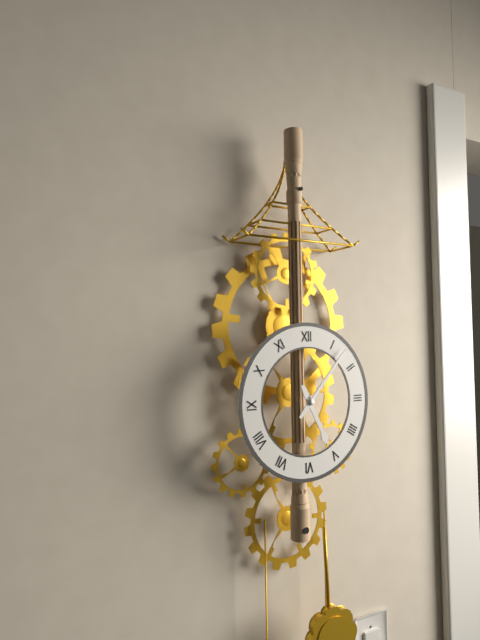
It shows 5 h 07 min
